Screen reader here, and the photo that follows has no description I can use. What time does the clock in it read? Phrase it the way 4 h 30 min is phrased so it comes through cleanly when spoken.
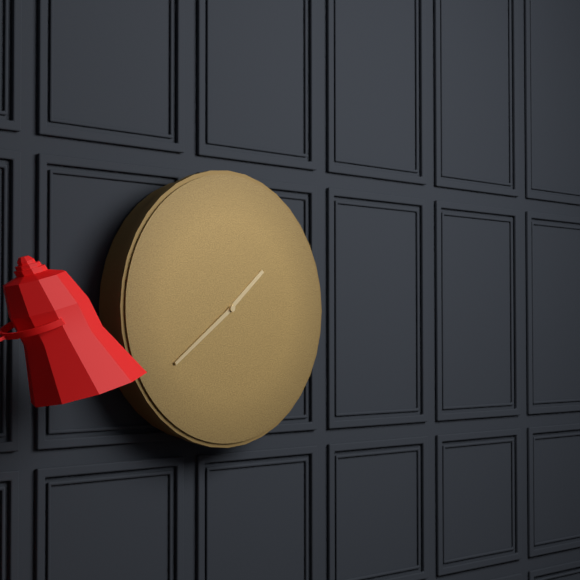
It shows 1 h 39 min
